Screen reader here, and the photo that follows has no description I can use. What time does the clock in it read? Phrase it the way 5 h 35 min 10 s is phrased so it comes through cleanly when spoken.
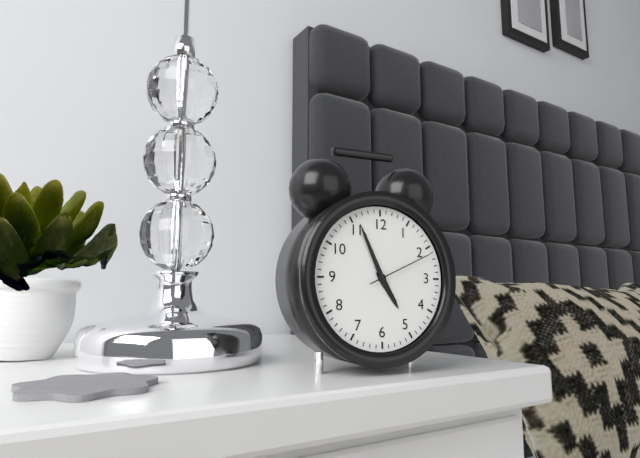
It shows 4 h 56 min 11 s
